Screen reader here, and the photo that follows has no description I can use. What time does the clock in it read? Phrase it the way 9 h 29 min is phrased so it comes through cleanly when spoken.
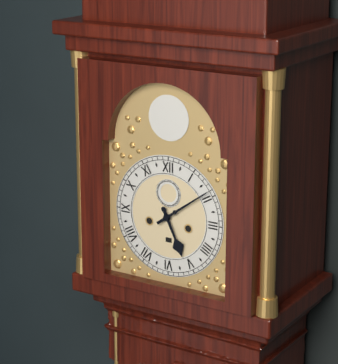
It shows 5 h 09 min
